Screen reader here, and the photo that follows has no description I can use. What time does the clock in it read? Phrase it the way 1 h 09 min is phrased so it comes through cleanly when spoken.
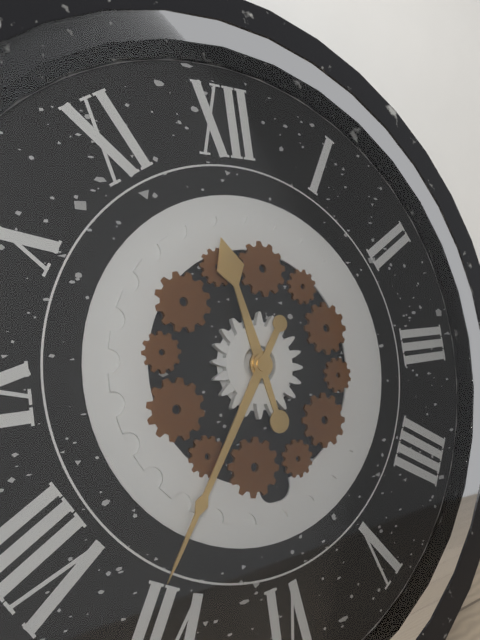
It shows 11 h 36 min
